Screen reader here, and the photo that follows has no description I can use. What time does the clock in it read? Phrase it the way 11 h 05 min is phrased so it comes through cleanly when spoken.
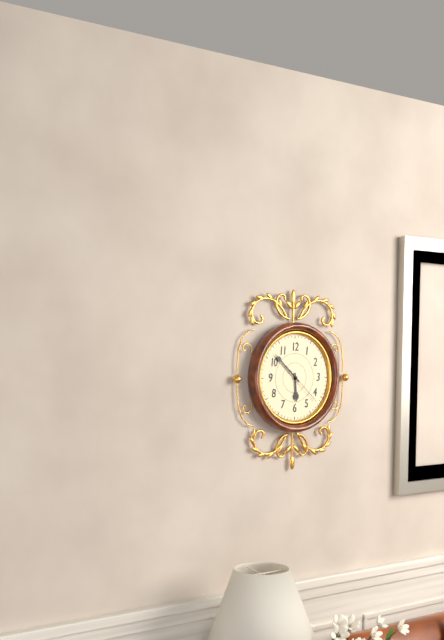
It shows 5 h 52 min
